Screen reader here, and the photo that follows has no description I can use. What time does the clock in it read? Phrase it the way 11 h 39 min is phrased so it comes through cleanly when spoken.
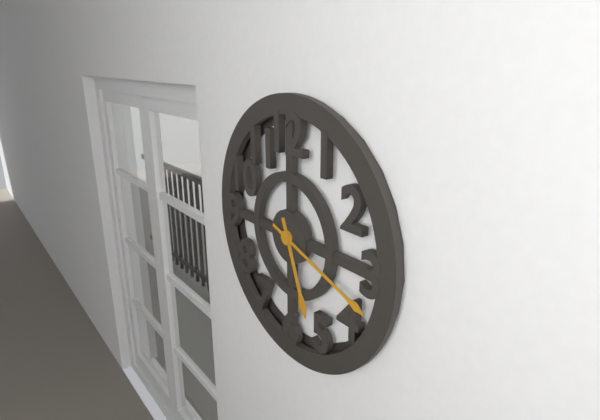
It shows 5 h 18 min
